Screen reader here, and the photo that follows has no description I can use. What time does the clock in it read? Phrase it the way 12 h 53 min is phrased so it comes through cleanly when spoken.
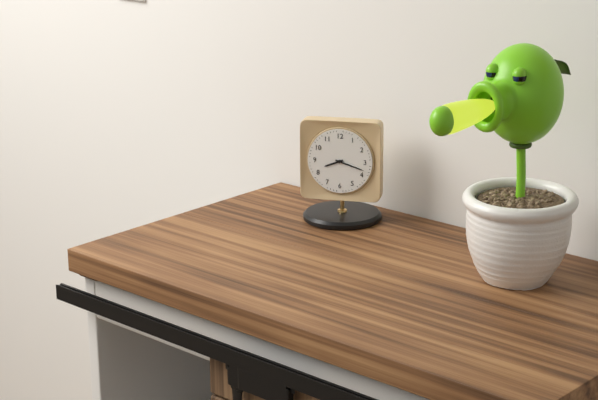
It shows 8 h 18 min
